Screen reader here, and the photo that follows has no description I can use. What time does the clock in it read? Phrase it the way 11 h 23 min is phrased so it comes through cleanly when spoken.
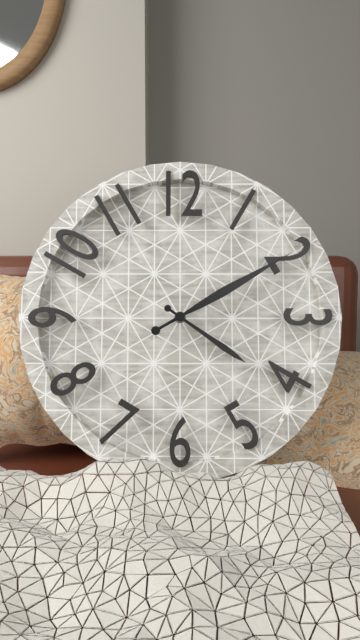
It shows 4 h 10 min
